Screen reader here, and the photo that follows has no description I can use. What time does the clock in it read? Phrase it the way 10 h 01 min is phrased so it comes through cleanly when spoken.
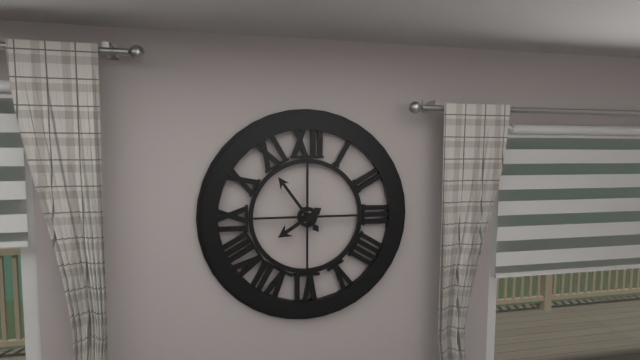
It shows 7 h 54 min
